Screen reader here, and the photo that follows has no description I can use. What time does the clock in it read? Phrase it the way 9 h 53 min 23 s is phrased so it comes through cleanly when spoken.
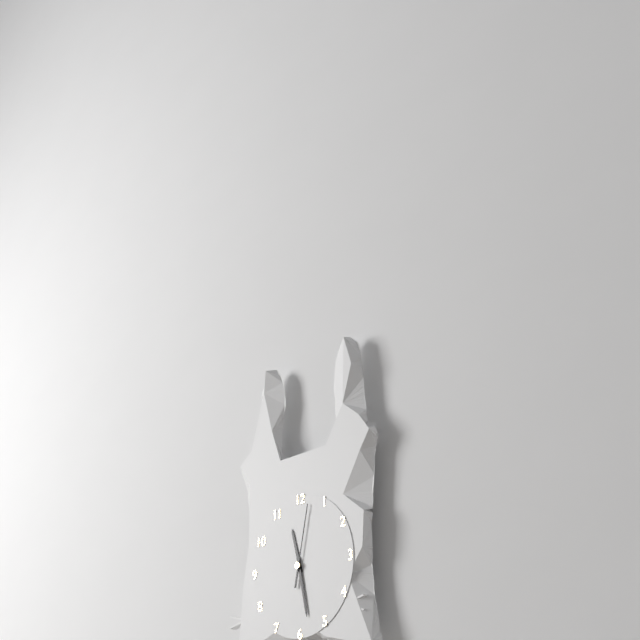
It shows 11 h 28 min 02 s
